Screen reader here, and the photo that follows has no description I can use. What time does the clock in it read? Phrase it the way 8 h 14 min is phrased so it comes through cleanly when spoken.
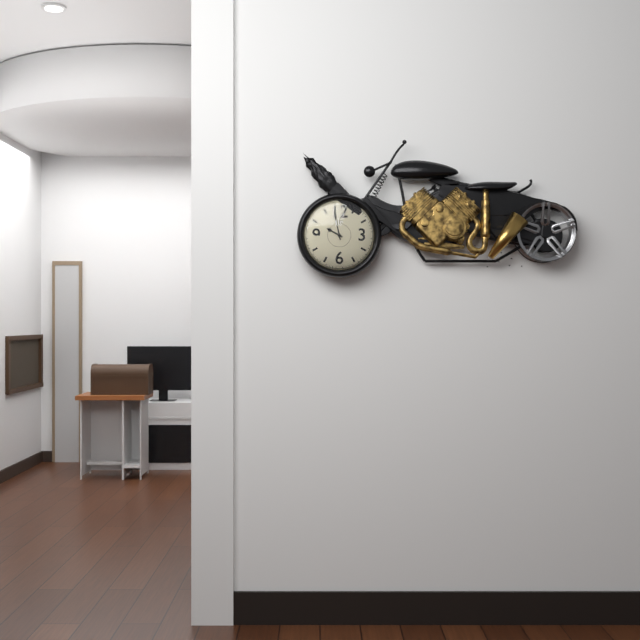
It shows 9 h 58 min
